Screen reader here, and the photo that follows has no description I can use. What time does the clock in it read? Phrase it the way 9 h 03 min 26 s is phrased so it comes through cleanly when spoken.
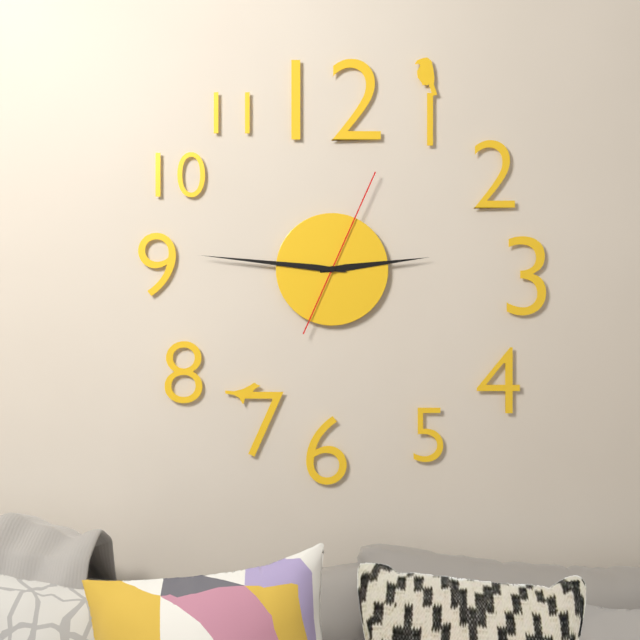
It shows 2 h 46 min 04 s
